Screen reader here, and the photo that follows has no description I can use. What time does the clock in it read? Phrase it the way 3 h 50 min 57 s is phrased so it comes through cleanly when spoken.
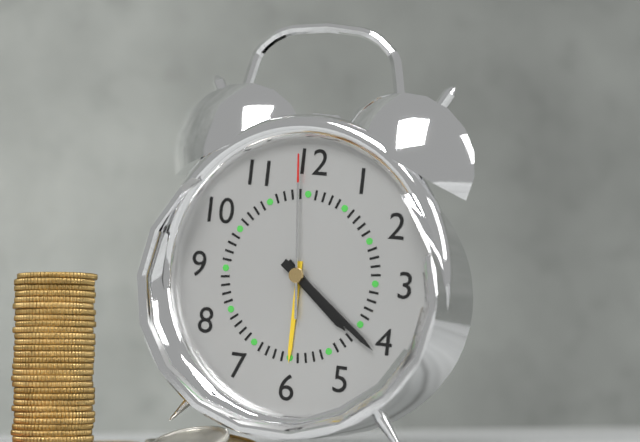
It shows 4 h 21 min 59 s
